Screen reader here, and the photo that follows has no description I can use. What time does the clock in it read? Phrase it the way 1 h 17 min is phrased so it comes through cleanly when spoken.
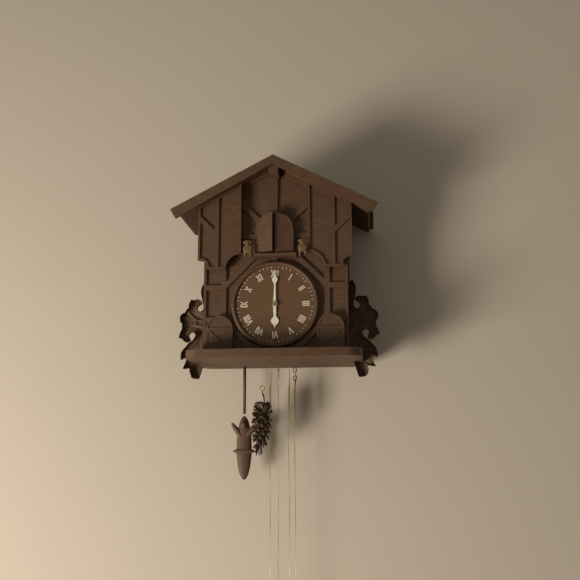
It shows 6 h 00 min
